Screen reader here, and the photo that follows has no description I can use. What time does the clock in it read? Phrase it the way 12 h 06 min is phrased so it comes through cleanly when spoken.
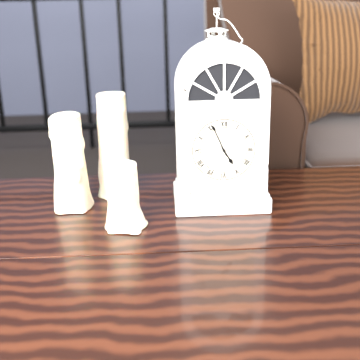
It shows 4 h 56 min
